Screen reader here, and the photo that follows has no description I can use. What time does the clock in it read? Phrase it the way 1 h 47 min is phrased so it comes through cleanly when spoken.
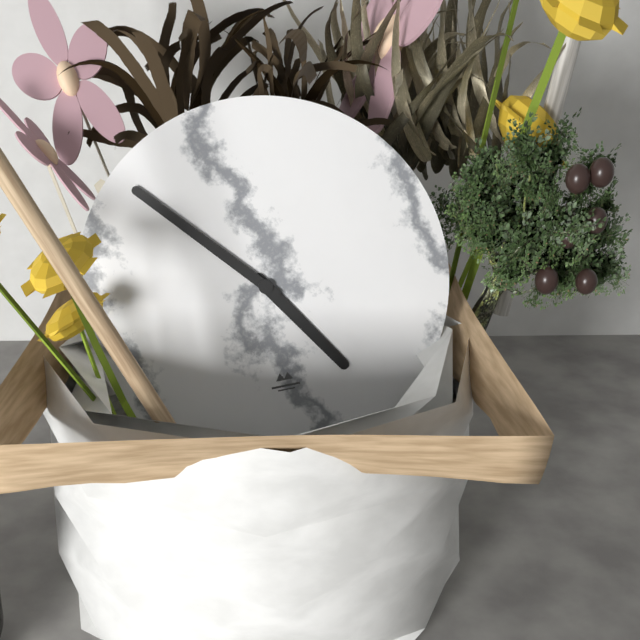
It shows 4 h 53 min
